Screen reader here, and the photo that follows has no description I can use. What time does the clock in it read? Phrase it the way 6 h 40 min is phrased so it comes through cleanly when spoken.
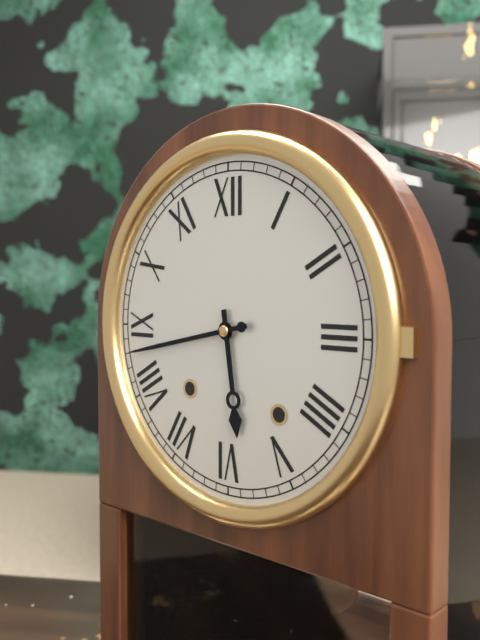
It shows 5 h 43 min
